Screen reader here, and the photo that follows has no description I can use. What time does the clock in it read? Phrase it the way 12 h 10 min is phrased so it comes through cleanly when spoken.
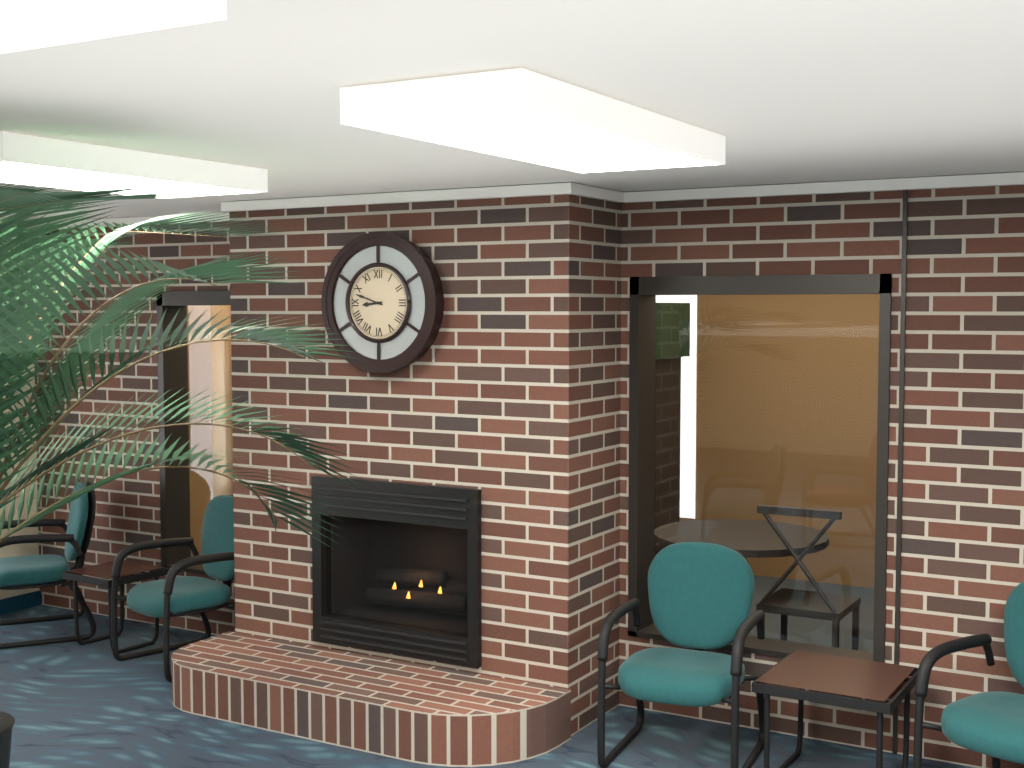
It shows 8 h 48 min
